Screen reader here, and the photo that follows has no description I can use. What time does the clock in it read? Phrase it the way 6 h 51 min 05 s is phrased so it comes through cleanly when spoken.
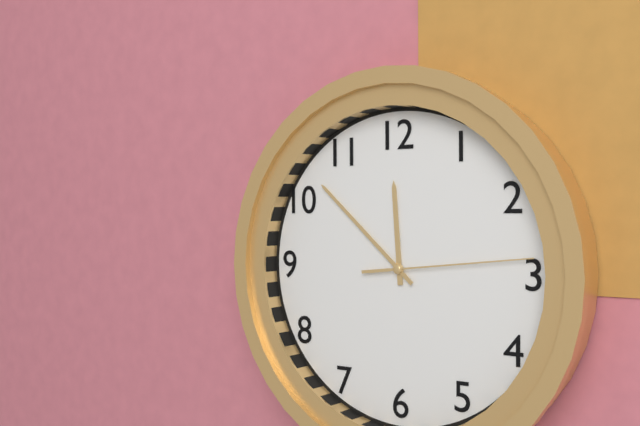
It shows 11 h 52 min 14 s
